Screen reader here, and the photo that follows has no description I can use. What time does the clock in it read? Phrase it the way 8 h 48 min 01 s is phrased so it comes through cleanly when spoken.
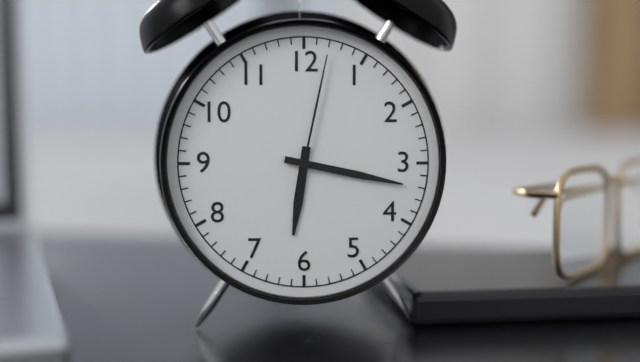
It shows 6 h 17 min 02 s
